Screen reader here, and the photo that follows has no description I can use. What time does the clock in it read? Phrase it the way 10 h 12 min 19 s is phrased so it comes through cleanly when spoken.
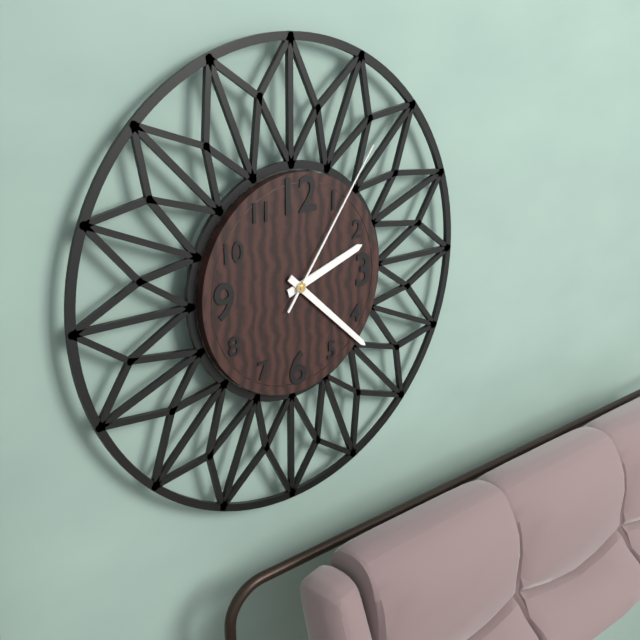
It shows 2 h 22 min 06 s
